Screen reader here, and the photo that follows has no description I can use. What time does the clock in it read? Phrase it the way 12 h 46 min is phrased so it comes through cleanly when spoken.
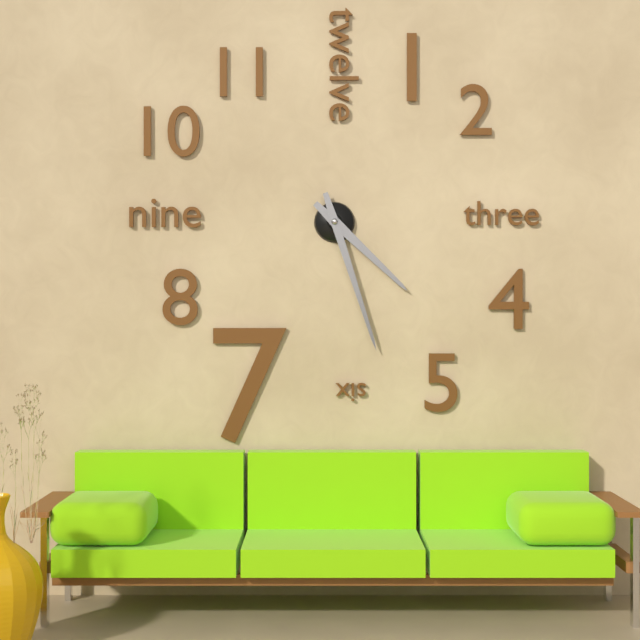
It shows 4 h 27 min
